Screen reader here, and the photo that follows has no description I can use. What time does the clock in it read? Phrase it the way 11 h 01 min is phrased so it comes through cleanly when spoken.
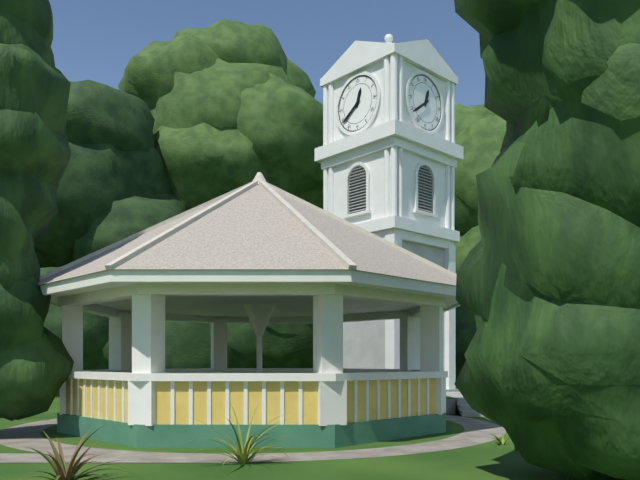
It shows 12 h 39 min
